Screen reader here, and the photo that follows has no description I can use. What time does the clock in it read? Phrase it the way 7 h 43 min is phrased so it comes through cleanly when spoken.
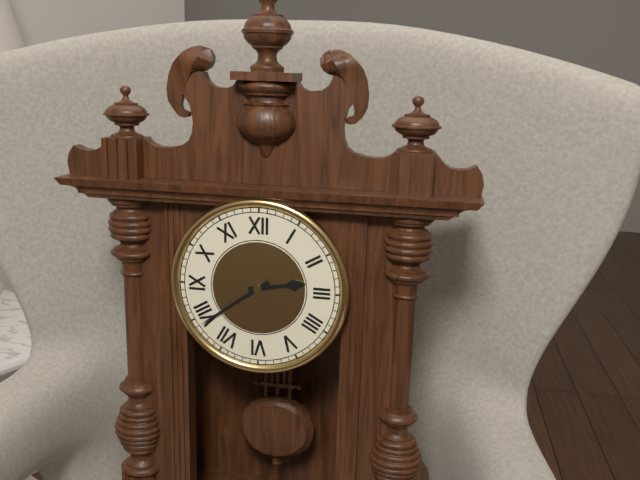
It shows 2 h 39 min
